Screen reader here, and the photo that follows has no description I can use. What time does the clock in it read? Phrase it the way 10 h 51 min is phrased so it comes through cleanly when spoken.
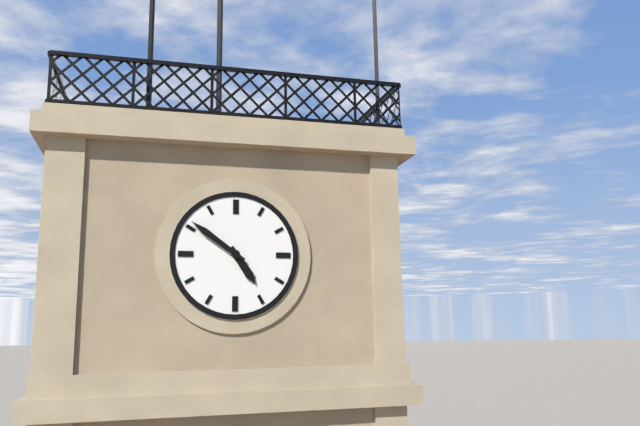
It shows 4 h 51 min
